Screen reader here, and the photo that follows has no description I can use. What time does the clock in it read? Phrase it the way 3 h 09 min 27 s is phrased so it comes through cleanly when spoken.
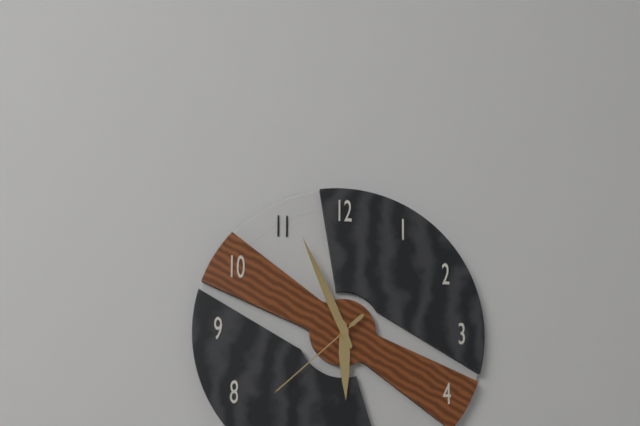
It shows 5 h 56 min 38 s
